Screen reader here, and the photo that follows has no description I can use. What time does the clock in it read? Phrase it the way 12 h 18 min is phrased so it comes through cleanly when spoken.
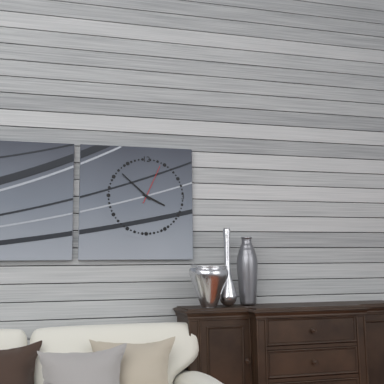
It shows 3 h 52 min
